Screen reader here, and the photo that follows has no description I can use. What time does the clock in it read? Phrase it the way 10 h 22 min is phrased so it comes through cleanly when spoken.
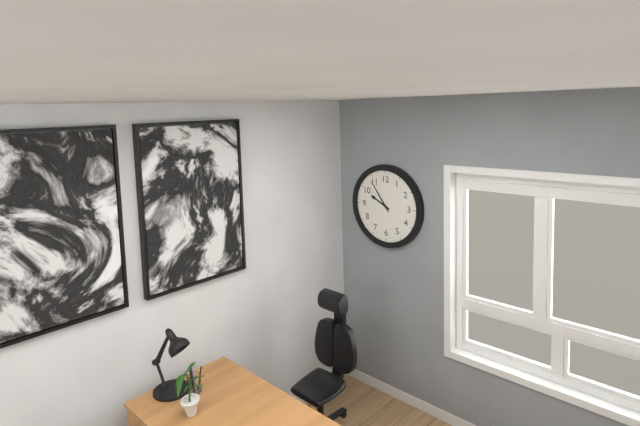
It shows 9 h 54 min
